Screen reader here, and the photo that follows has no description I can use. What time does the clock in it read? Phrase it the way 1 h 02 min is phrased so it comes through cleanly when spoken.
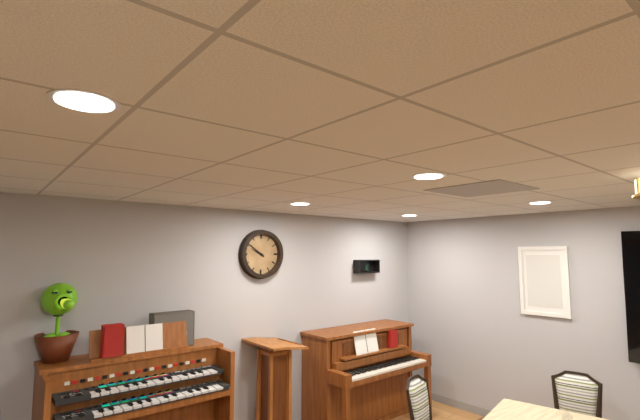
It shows 9 h 51 min
